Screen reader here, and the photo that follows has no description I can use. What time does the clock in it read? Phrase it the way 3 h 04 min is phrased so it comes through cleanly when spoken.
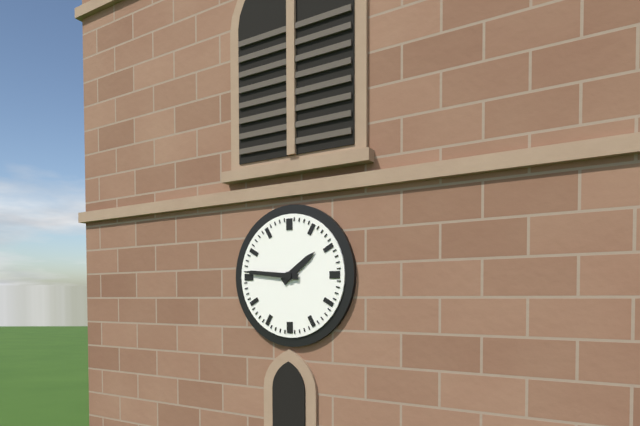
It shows 1 h 46 min
